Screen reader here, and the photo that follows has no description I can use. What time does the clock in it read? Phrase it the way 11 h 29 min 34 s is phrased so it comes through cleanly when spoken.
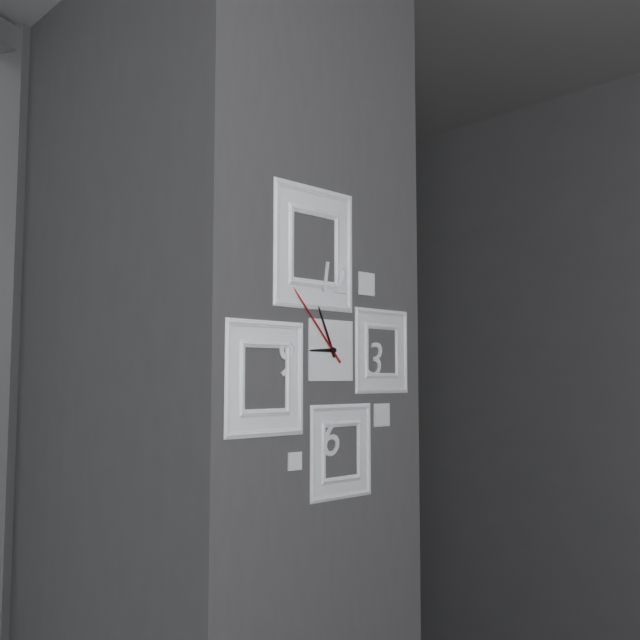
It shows 8 h 56 min 53 s
